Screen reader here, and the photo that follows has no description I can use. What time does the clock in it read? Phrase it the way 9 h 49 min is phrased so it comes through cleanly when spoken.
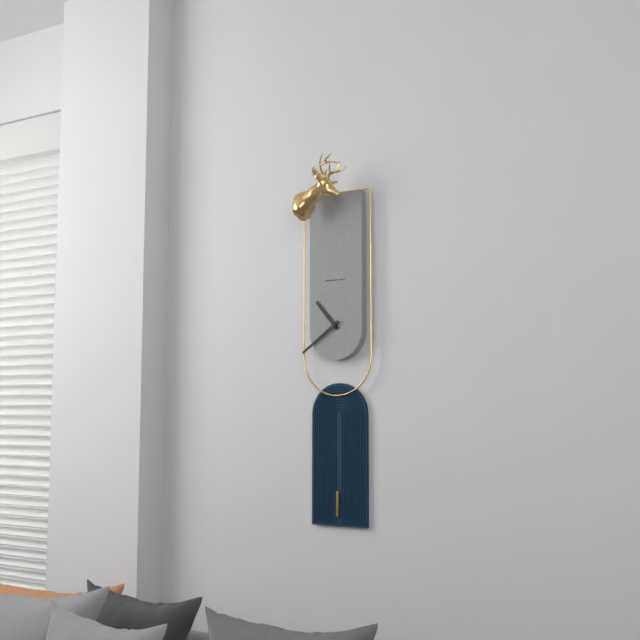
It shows 10 h 39 min
